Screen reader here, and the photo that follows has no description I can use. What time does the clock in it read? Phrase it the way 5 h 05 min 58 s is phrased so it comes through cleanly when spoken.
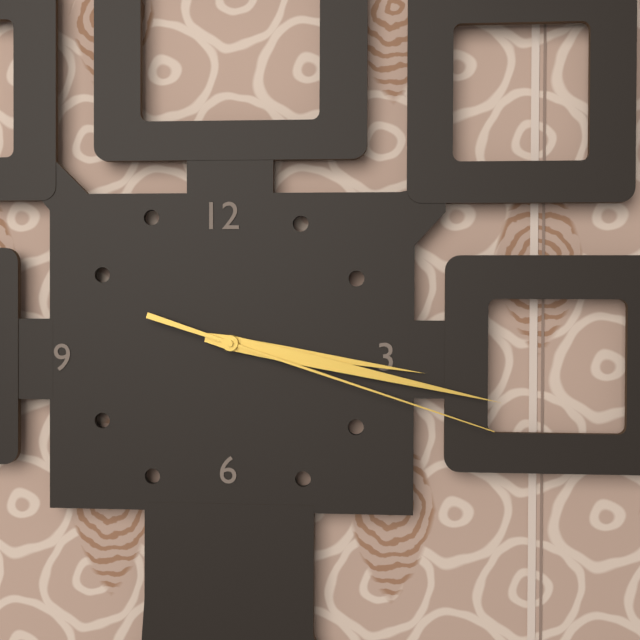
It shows 3 h 17 min 18 s
